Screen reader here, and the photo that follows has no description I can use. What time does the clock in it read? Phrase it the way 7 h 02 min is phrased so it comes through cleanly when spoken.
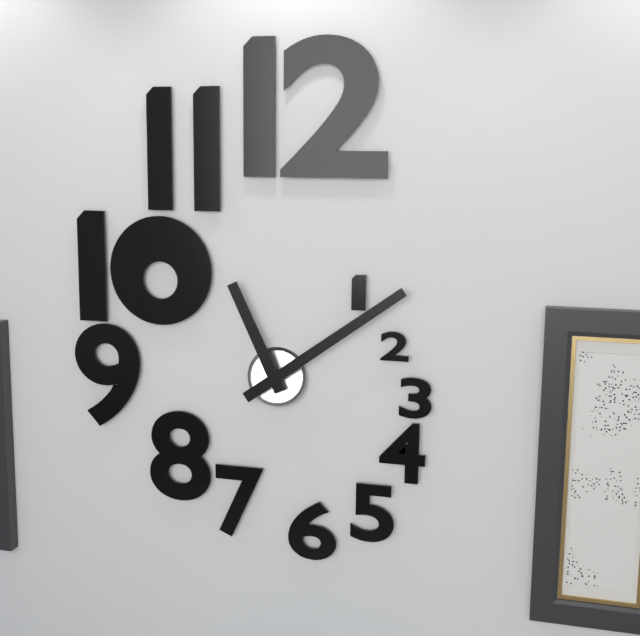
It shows 11 h 09 min
